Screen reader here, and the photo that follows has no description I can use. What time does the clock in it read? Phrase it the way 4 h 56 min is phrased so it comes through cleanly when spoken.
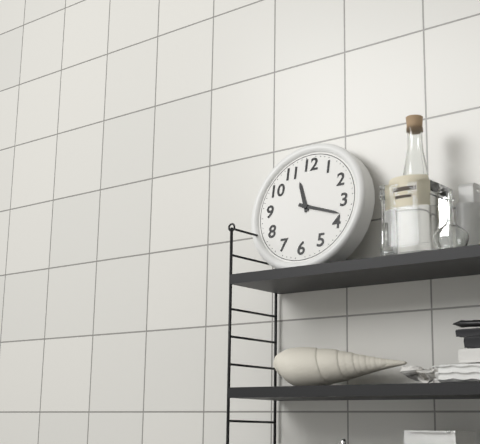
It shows 11 h 18 min
